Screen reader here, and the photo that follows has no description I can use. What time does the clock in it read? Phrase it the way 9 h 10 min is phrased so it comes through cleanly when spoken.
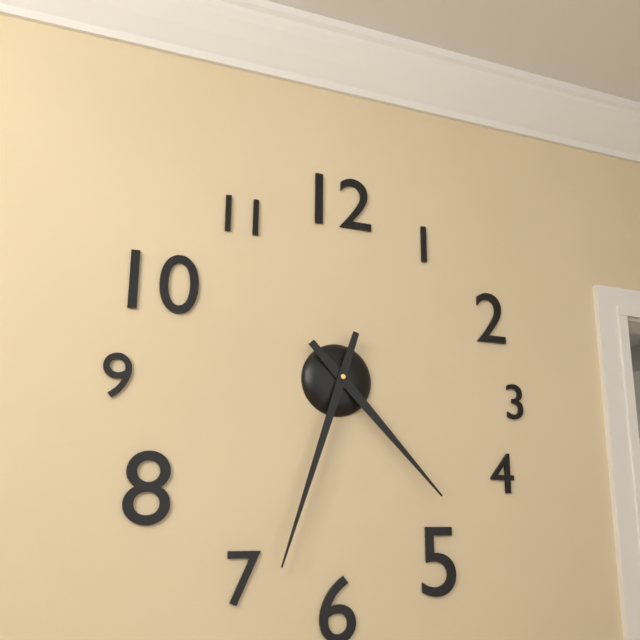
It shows 4 h 33 min
